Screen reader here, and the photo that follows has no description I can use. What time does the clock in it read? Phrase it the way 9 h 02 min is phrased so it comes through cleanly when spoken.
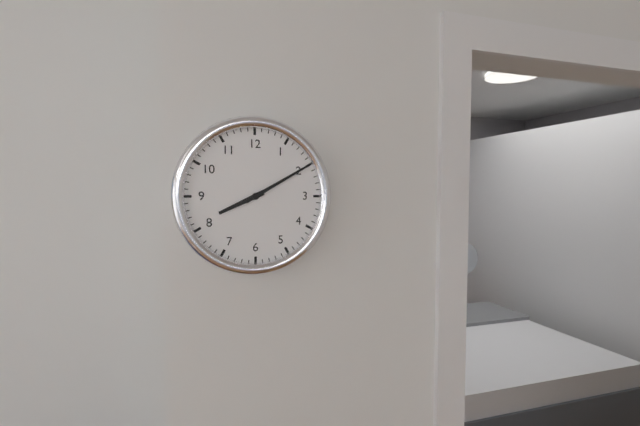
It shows 8 h 10 min
